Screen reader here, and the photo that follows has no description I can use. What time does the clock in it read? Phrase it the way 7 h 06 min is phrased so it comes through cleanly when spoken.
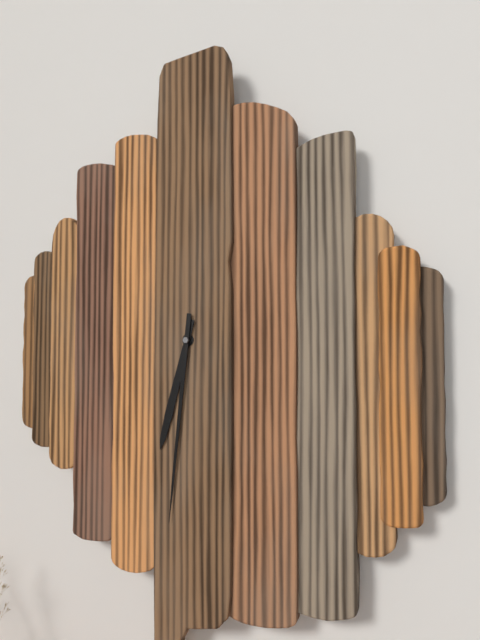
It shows 6 h 31 min
